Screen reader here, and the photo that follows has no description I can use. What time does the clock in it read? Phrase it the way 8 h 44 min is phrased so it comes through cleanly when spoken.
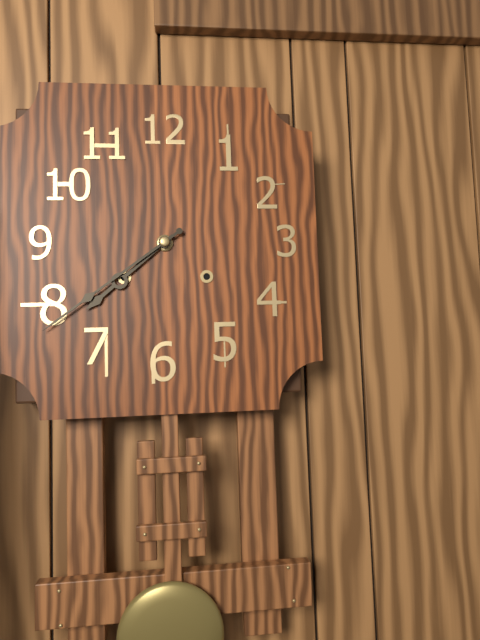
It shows 7 h 39 min
